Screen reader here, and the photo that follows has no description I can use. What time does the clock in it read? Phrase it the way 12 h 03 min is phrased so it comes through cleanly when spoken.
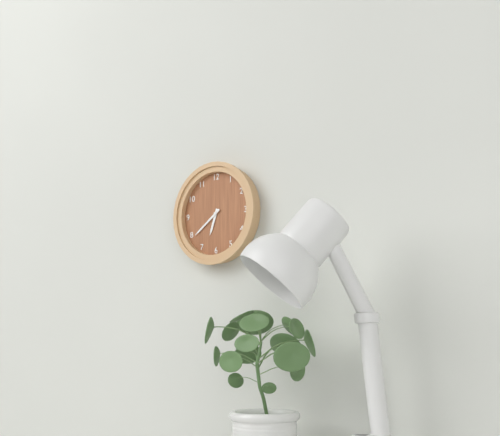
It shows 6 h 39 min
